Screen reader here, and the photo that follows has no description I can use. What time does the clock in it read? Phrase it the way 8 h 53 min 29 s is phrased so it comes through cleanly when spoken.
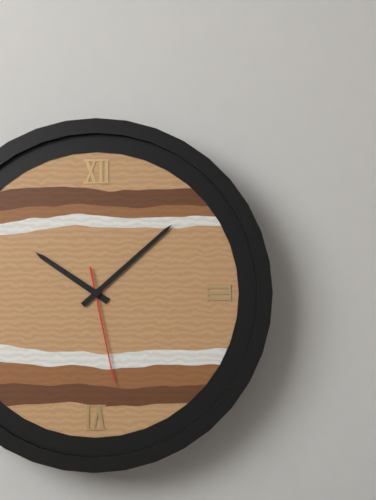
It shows 10 h 08 min 28 s
